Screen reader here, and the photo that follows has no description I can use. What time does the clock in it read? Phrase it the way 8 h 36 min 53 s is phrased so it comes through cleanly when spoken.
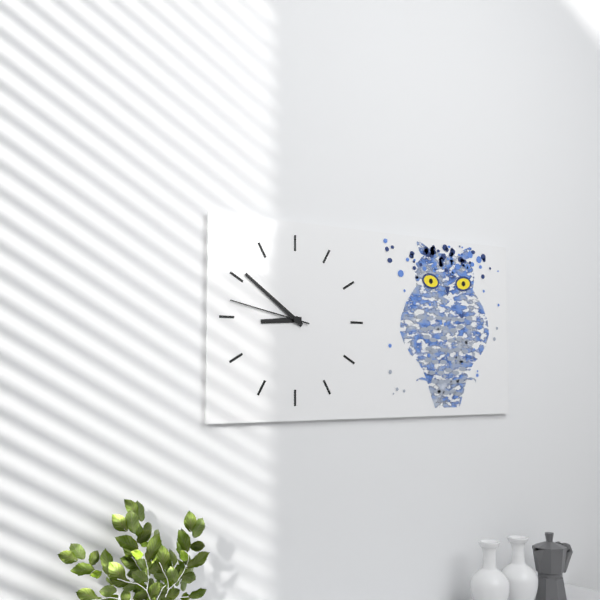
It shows 8 h 51 min 47 s
